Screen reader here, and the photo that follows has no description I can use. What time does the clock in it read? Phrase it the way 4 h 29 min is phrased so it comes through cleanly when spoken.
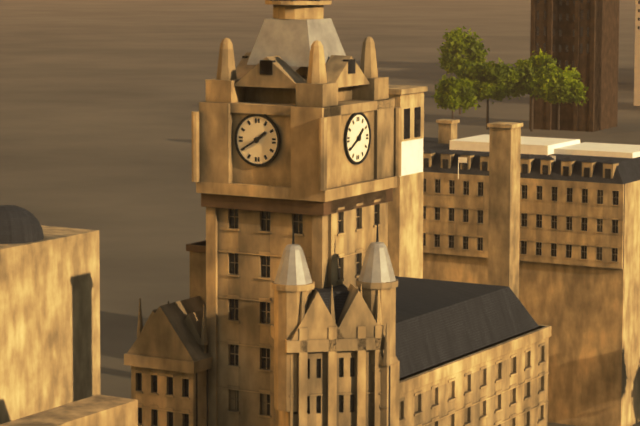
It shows 1 h 40 min
